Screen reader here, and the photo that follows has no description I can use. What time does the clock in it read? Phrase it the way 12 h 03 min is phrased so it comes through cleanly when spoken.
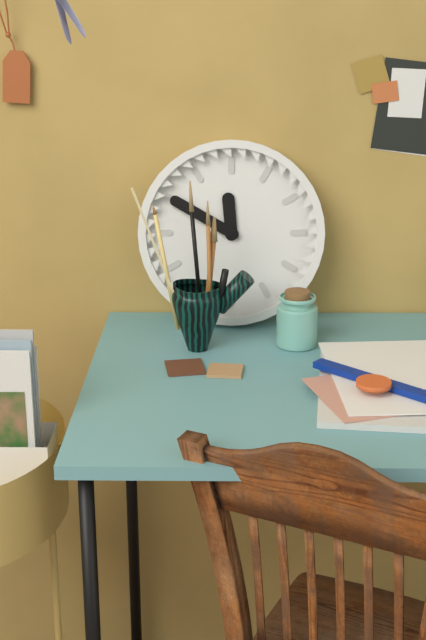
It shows 11 h 50 min
